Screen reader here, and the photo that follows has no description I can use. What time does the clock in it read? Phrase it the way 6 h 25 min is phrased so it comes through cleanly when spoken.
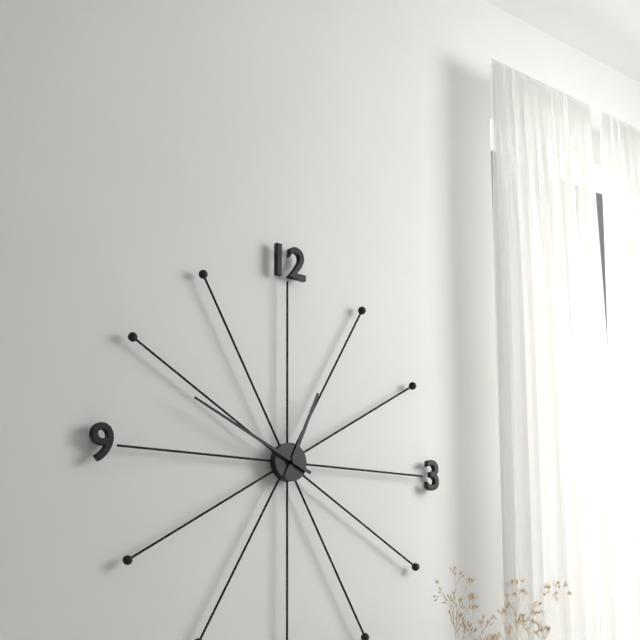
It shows 12 h 49 min
